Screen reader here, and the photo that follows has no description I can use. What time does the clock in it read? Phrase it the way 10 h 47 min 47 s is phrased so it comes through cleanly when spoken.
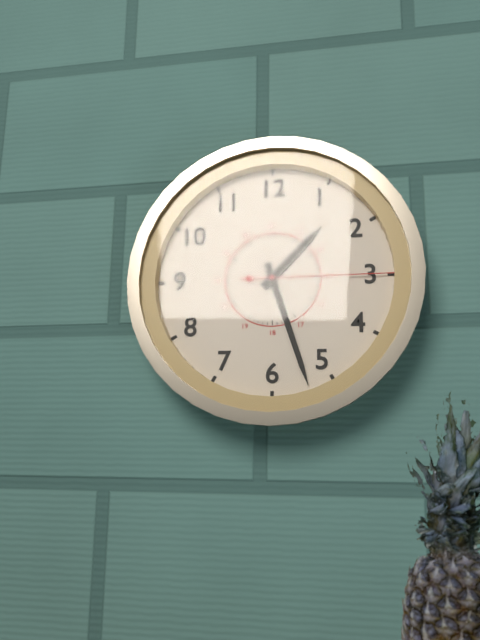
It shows 1 h 27 min 15 s
